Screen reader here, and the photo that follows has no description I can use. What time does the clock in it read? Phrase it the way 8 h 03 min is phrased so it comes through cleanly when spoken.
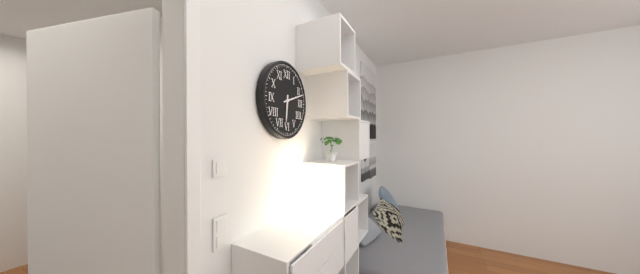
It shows 6 h 12 min
